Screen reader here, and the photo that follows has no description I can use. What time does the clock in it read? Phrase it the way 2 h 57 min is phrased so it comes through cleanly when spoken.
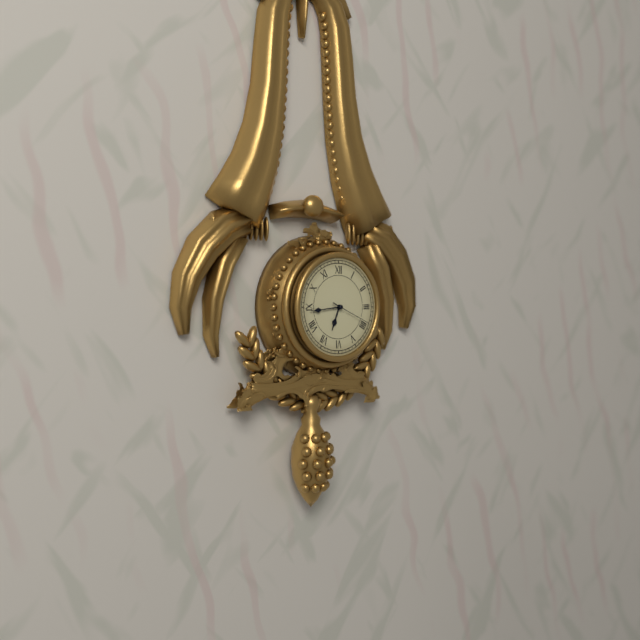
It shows 6 h 44 min
